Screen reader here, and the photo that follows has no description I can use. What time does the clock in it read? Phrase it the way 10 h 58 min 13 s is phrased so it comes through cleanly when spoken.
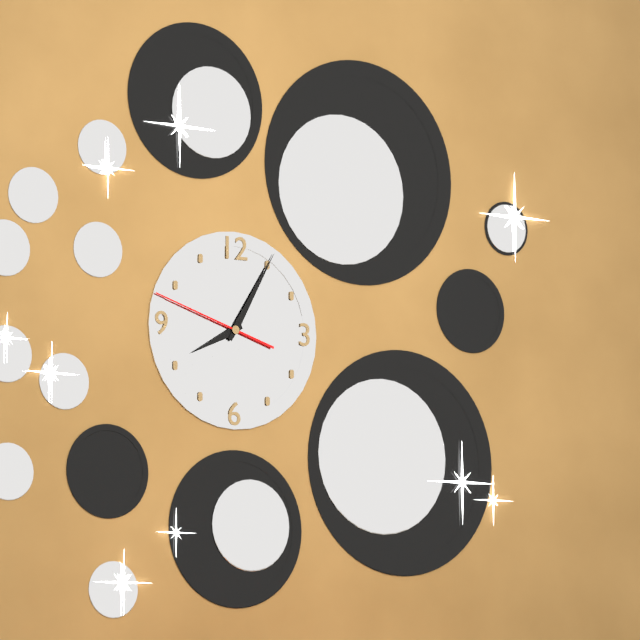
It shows 8 h 05 min 48 s
